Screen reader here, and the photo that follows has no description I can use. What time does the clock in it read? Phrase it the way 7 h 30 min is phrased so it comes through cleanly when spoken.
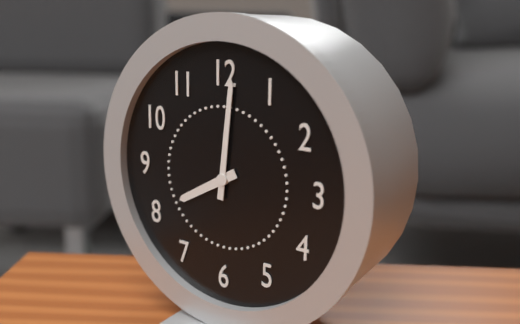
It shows 8 h 01 min
